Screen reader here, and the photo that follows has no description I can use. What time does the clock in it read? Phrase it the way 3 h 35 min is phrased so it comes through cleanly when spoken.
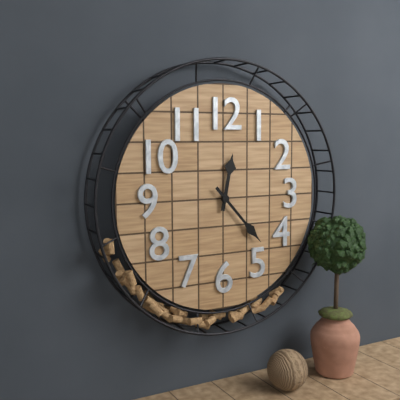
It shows 12 h 23 min
